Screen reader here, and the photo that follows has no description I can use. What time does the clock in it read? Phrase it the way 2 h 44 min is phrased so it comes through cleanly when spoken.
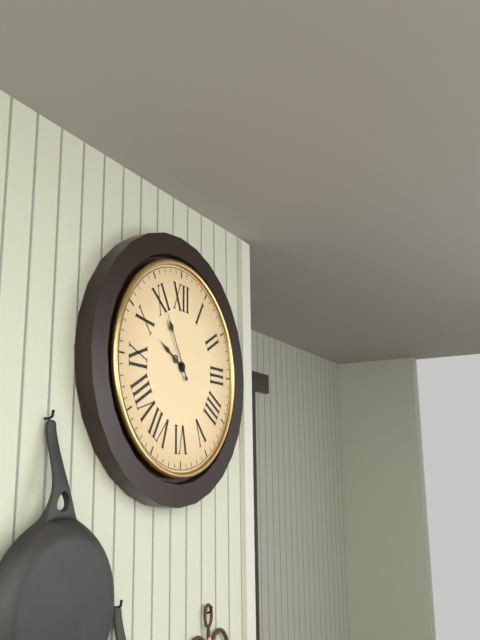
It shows 9 h 55 min
